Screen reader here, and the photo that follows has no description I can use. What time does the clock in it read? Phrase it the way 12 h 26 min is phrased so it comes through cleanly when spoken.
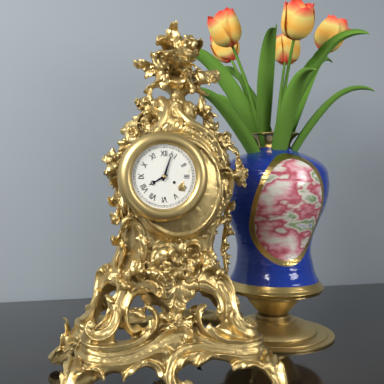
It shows 8 h 03 min
